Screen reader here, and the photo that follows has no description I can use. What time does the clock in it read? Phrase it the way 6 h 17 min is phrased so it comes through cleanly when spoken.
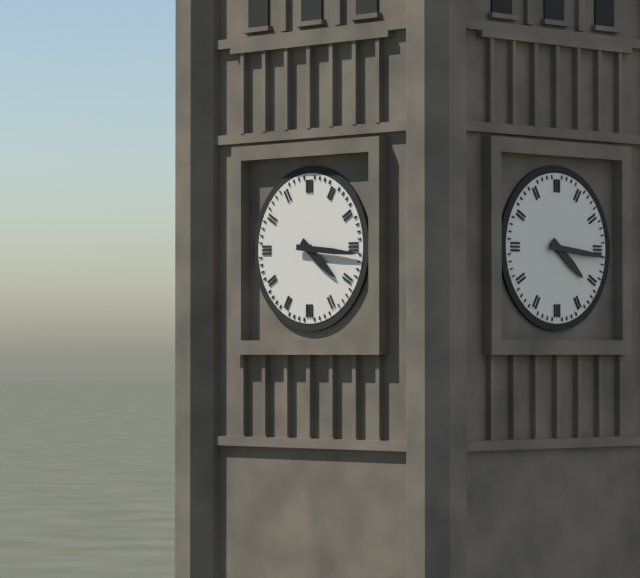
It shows 4 h 16 min
